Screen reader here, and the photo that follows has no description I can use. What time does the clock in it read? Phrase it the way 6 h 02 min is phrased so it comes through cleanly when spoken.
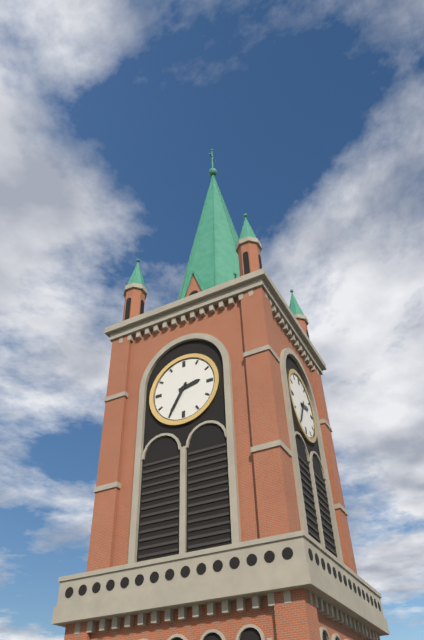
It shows 2 h 35 min
